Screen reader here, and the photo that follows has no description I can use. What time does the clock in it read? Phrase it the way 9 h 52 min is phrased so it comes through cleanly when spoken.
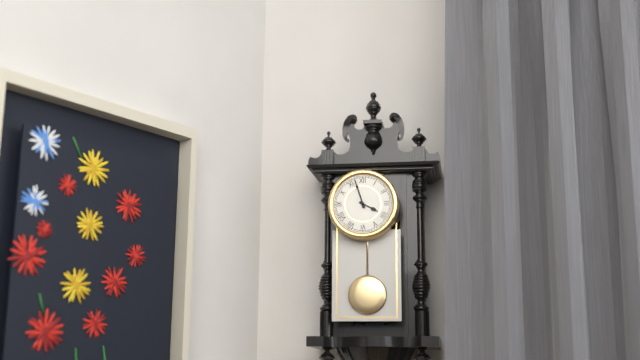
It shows 3 h 57 min
